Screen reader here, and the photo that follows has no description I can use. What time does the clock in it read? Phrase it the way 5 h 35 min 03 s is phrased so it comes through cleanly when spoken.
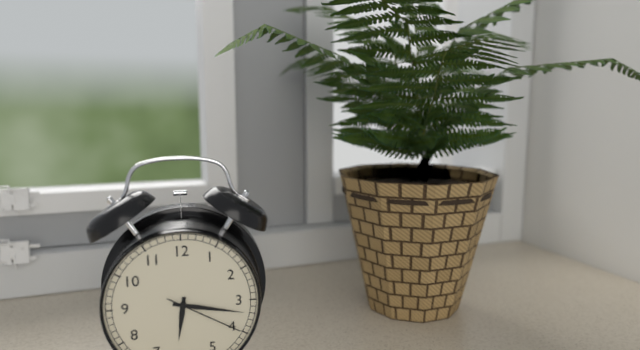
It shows 6 h 17 min 20 s
